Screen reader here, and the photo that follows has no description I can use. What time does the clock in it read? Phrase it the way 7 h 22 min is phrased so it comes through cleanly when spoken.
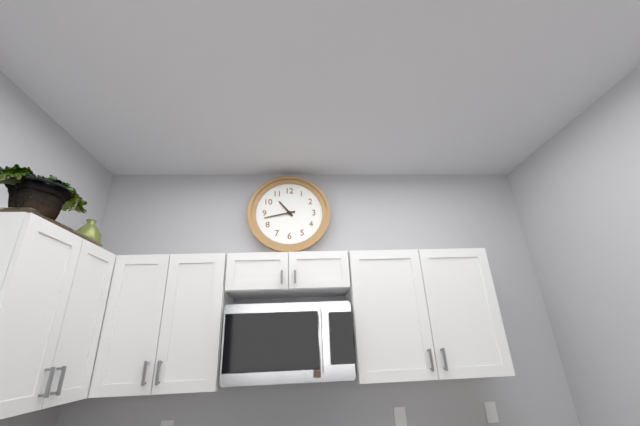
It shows 10 h 43 min
